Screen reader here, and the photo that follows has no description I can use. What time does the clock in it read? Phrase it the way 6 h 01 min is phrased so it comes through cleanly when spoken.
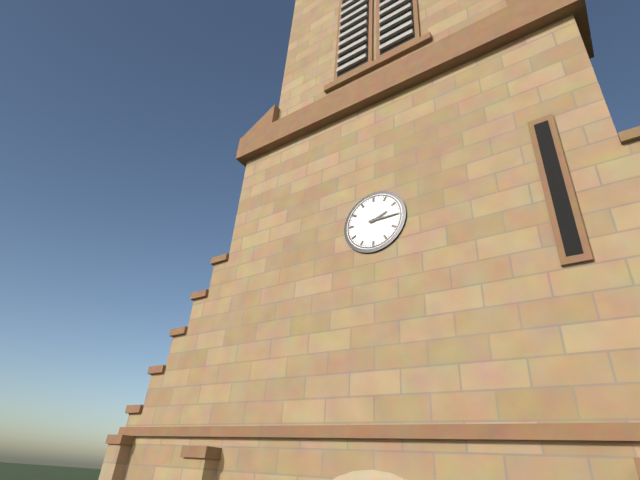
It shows 2 h 15 min
